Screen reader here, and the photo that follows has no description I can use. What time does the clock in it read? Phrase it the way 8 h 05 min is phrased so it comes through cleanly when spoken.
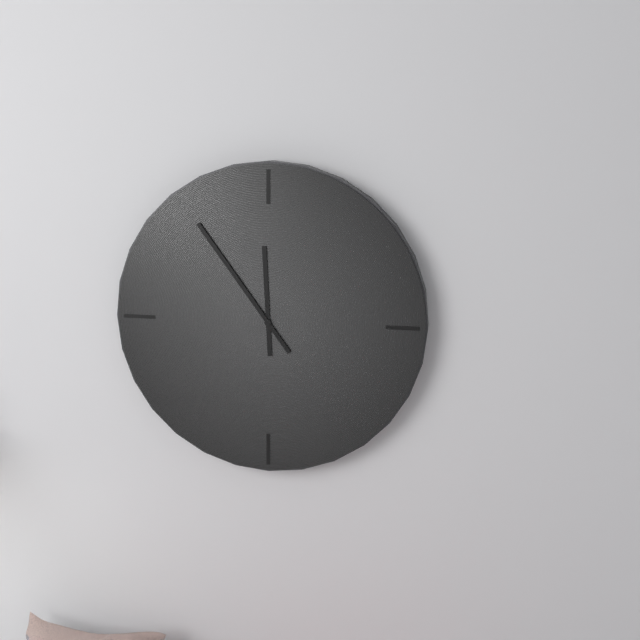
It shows 11 h 54 min
